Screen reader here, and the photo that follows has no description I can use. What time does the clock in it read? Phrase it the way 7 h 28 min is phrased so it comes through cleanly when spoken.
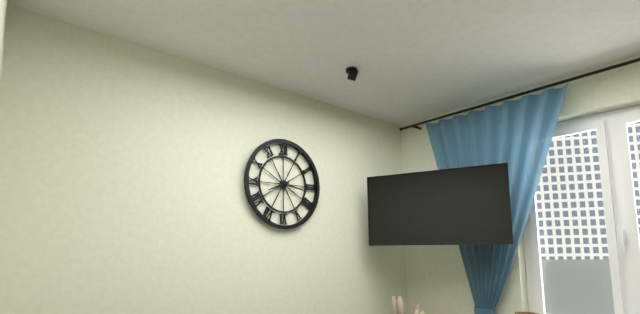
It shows 8 h 17 min
